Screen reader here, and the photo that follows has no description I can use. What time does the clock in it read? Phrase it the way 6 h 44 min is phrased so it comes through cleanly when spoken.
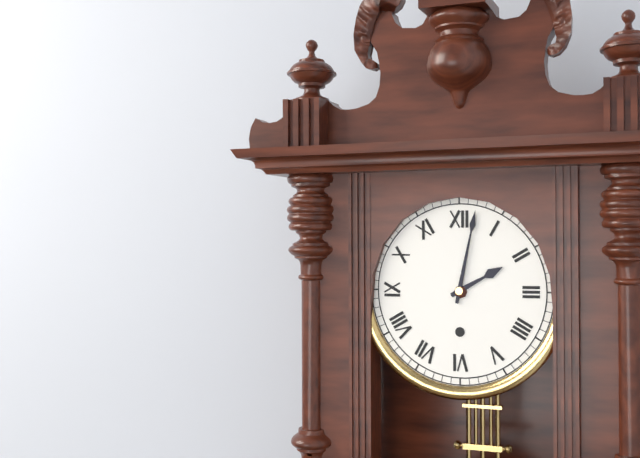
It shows 2 h 02 min
